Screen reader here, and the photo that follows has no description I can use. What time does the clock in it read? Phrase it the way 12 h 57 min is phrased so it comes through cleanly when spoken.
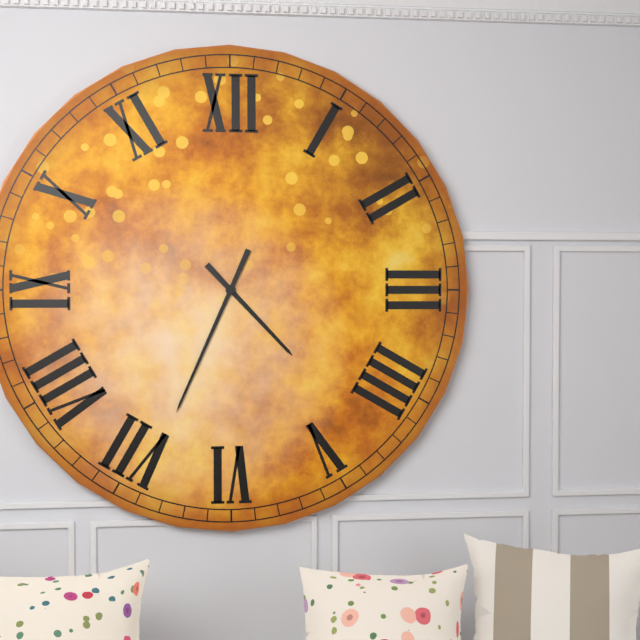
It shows 4 h 34 min
